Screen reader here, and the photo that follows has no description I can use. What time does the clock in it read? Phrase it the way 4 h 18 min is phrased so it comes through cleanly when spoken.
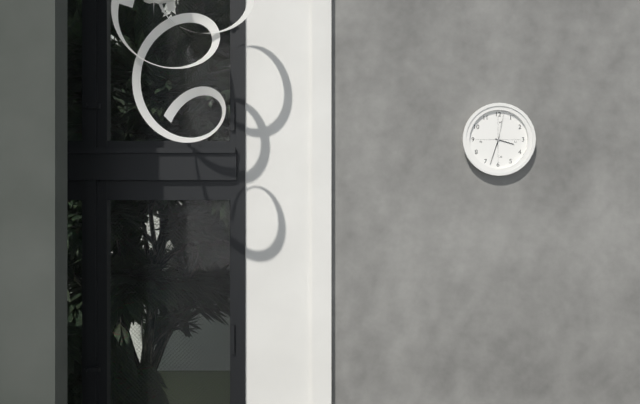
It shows 3 h 33 min
